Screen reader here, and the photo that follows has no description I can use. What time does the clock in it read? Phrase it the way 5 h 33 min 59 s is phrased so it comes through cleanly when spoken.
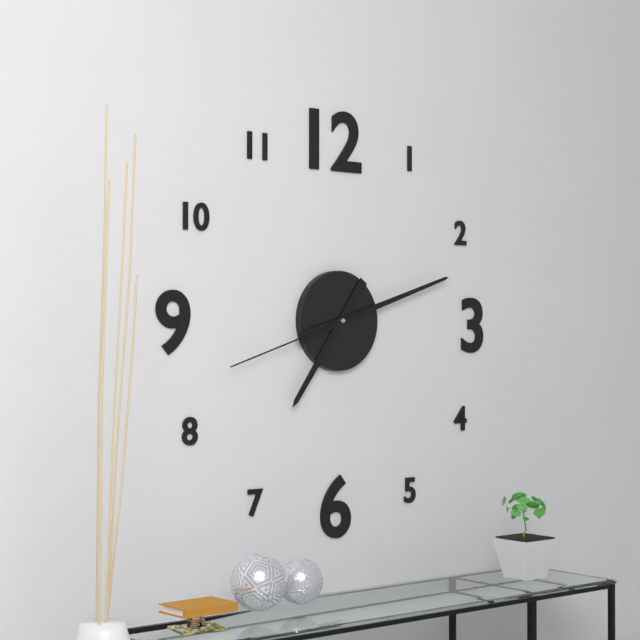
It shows 7 h 12 min 42 s
